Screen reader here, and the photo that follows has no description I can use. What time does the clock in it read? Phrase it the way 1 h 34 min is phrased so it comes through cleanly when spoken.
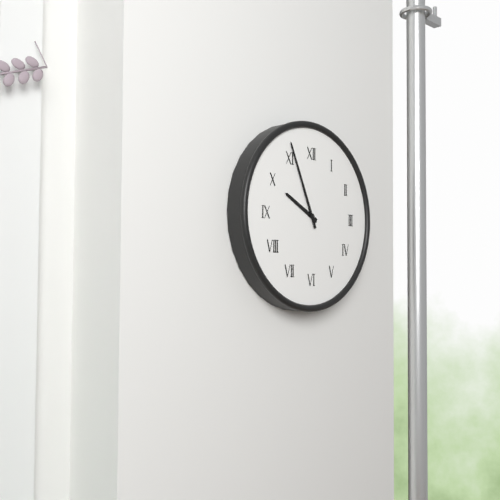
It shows 9 h 56 min
